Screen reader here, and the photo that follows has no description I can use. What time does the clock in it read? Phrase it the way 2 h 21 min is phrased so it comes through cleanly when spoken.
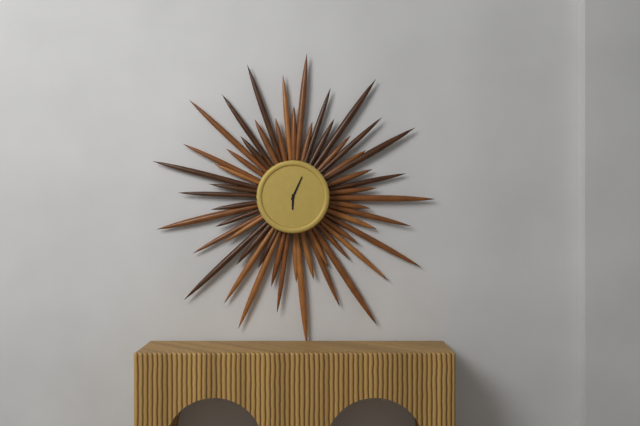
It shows 6 h 04 min
